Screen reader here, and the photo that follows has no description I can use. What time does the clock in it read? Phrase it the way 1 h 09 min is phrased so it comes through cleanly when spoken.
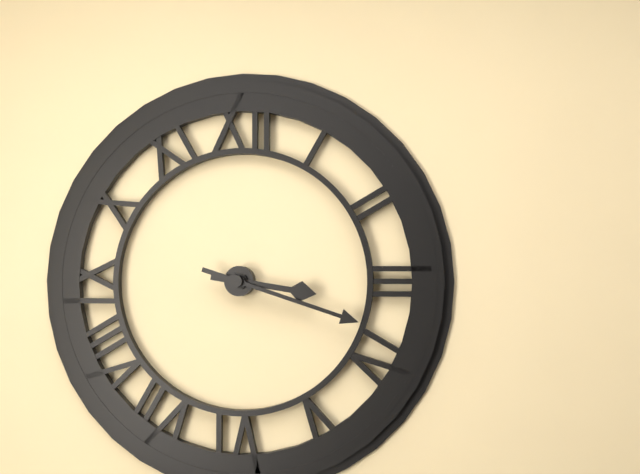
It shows 3 h 18 min
